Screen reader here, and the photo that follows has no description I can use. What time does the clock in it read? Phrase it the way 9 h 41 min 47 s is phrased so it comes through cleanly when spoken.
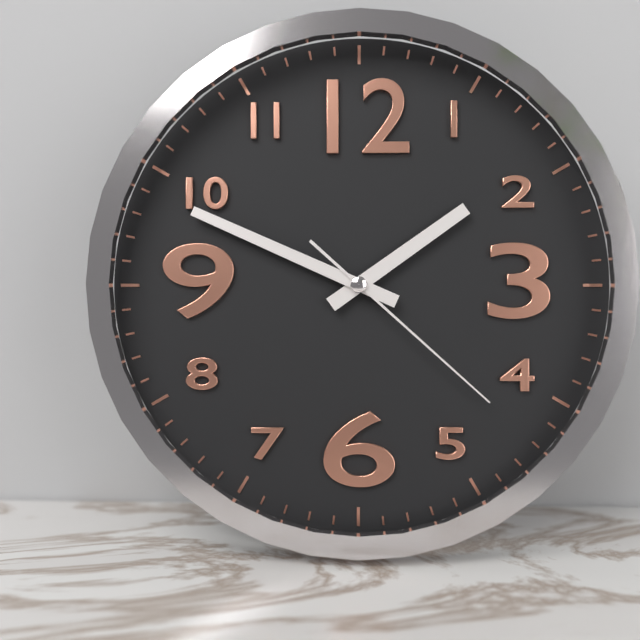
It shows 1 h 49 min 22 s
